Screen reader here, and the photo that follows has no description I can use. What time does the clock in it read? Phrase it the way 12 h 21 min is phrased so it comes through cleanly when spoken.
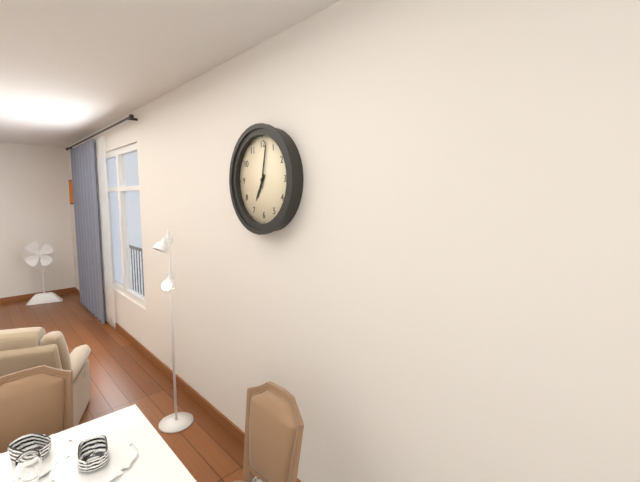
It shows 7 h 02 min
